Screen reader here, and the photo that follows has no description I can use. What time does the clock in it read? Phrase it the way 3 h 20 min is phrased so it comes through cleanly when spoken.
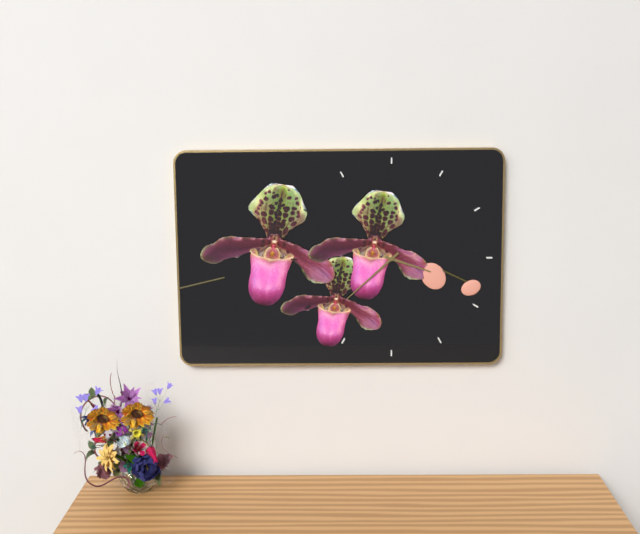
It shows 3 h 38 min
